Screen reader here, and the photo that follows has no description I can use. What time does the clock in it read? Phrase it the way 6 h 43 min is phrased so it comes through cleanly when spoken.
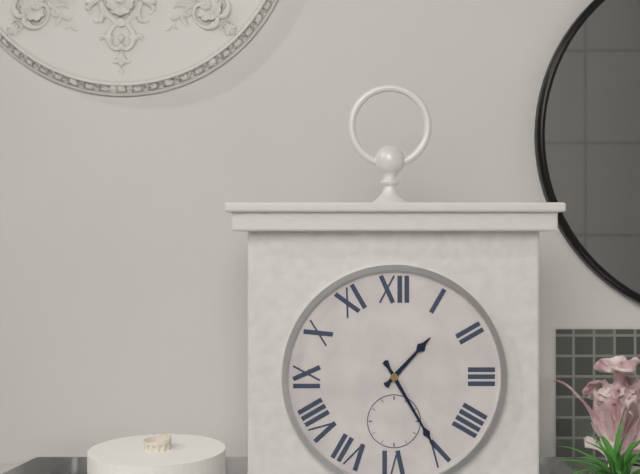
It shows 1 h 25 min
